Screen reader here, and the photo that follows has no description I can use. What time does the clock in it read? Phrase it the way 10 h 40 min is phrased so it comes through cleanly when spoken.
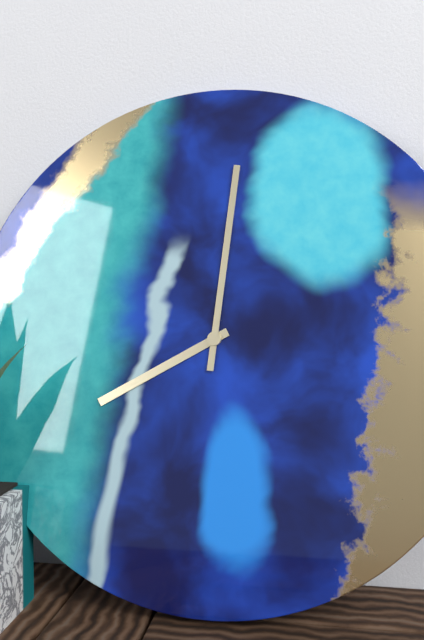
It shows 8 h 01 min
